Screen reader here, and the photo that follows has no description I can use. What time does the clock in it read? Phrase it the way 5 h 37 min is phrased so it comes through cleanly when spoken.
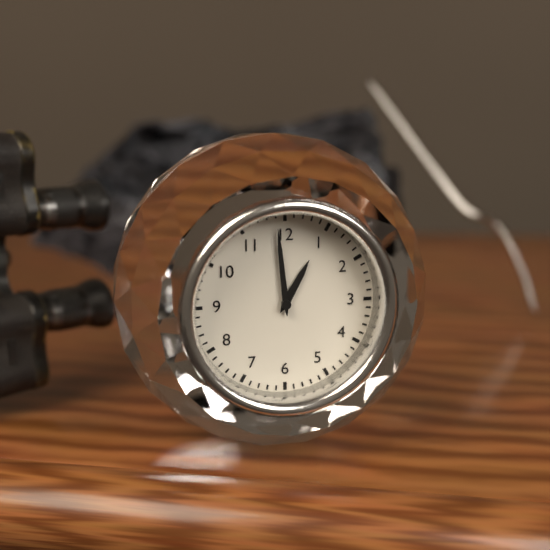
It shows 12 h 59 min
